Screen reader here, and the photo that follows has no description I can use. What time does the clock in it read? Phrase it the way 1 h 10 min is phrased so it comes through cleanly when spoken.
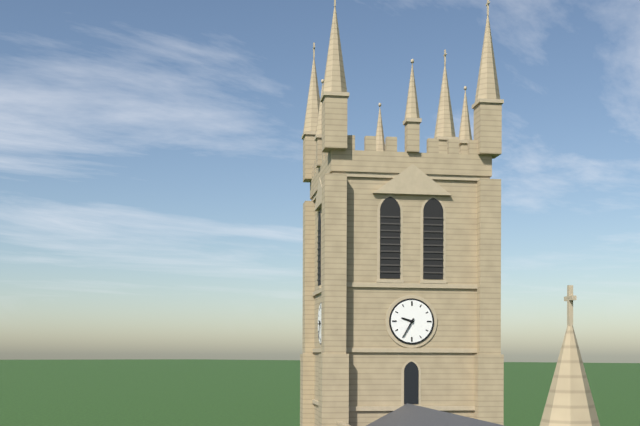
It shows 9 h 35 min
